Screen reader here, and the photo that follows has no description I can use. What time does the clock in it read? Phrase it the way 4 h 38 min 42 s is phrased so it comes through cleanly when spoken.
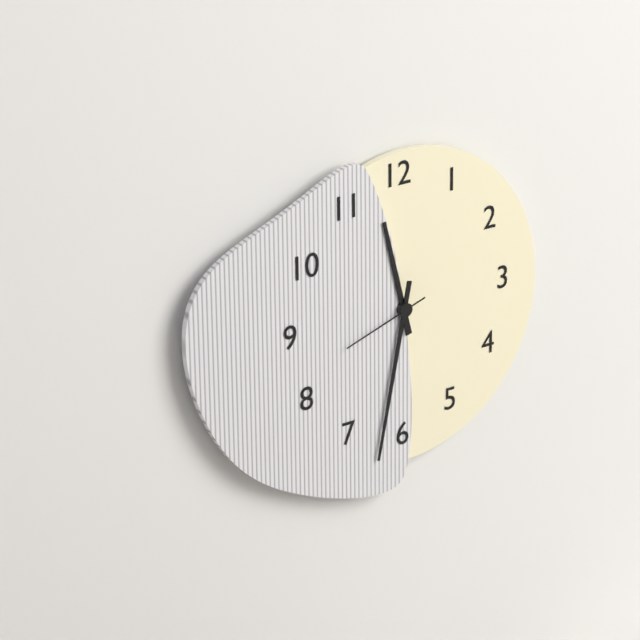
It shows 11 h 32 min 42 s
